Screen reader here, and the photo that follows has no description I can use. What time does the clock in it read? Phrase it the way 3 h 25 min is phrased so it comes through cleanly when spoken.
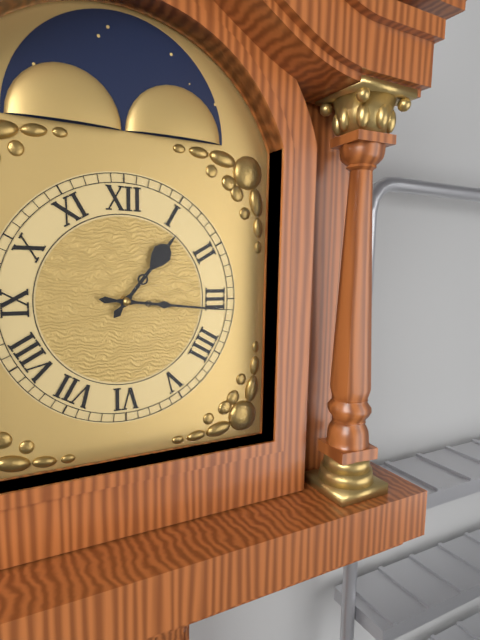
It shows 1 h 16 min
